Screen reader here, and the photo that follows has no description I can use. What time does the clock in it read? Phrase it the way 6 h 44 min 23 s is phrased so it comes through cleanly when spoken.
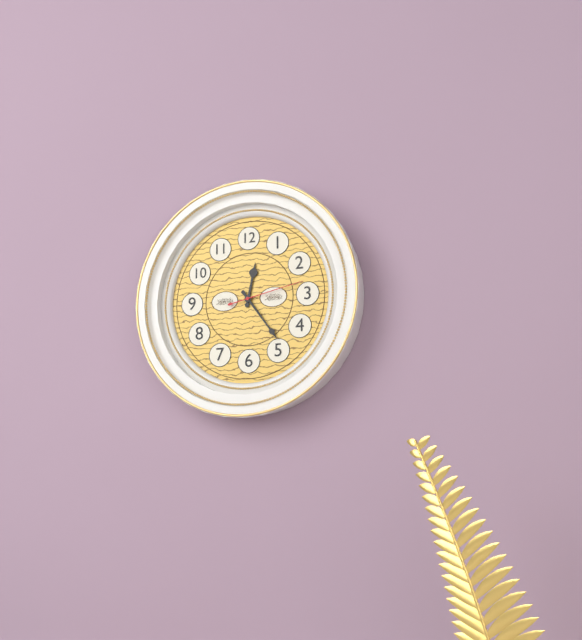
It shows 12 h 24 min 13 s
